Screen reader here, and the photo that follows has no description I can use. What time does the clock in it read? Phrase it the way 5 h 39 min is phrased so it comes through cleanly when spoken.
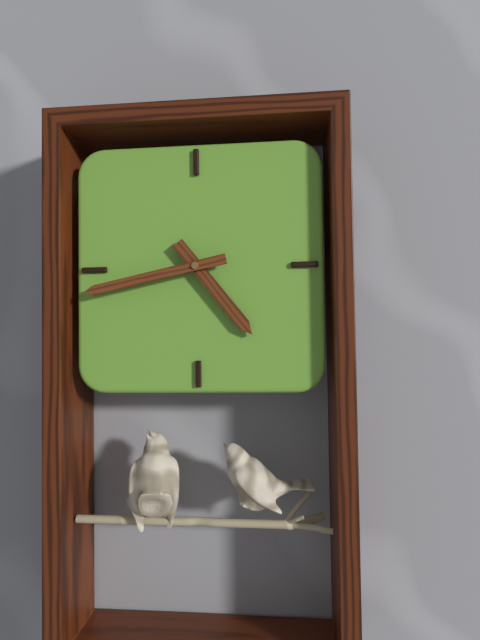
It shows 4 h 43 min
